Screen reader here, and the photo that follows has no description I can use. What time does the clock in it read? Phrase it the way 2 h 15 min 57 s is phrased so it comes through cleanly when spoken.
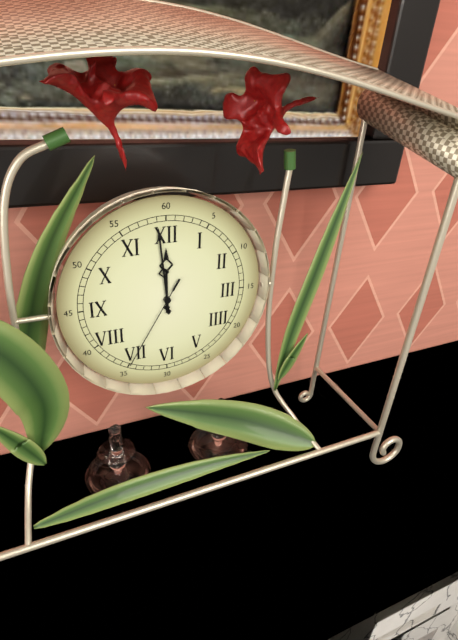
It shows 11 h 59 min 35 s
